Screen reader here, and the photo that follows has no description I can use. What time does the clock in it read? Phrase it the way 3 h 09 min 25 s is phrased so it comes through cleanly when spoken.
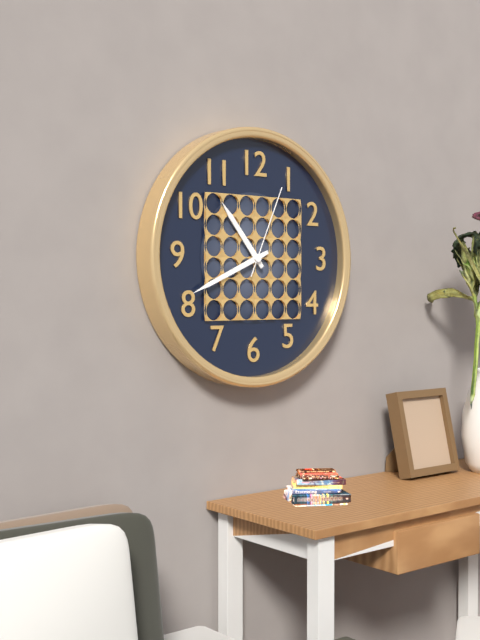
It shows 10 h 41 min 04 s
